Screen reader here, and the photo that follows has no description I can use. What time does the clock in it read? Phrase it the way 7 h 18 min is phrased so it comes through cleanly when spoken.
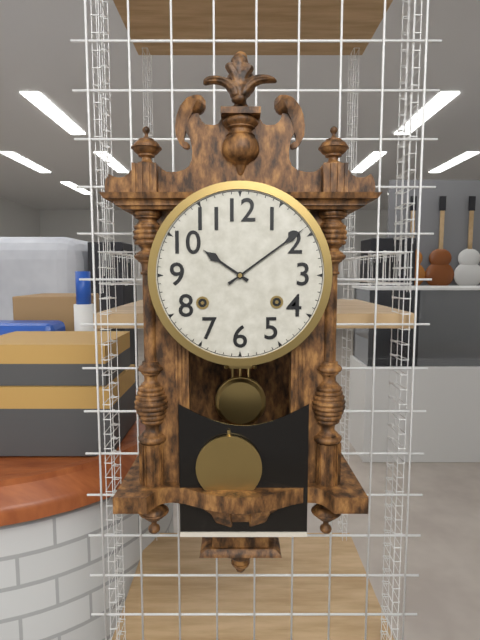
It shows 10 h 09 min
